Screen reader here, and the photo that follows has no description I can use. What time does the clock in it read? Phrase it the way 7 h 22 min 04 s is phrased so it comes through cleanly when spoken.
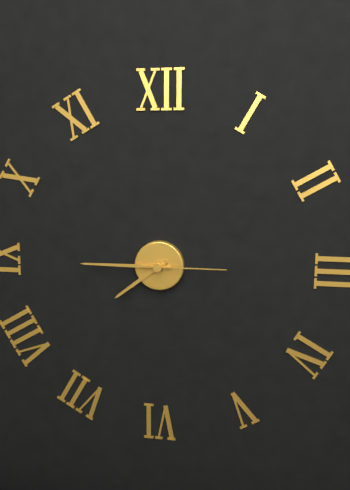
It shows 7 h 45 min 15 s
